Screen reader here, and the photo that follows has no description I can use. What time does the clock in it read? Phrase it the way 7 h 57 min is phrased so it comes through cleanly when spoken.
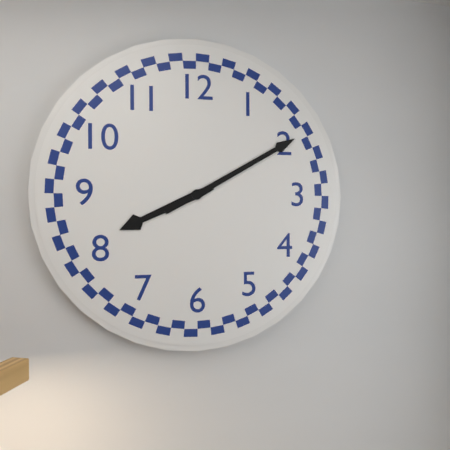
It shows 8 h 10 min
